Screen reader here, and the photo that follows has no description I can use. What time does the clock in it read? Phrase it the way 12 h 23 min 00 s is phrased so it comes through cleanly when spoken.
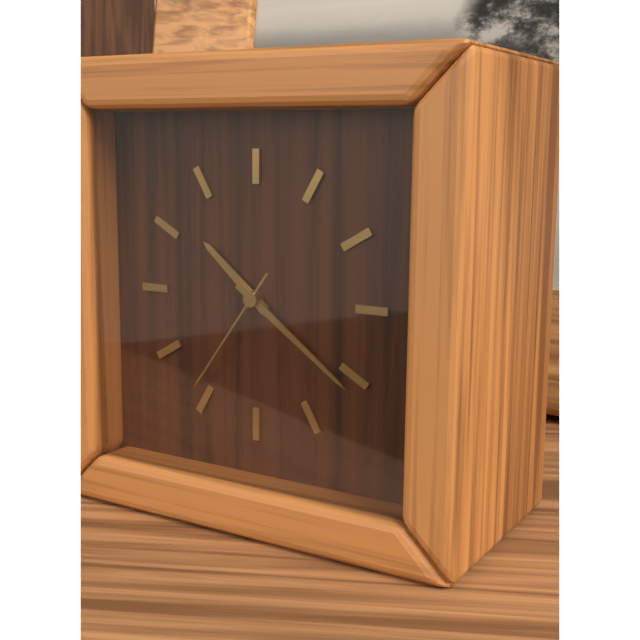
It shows 10 h 21 min 36 s
